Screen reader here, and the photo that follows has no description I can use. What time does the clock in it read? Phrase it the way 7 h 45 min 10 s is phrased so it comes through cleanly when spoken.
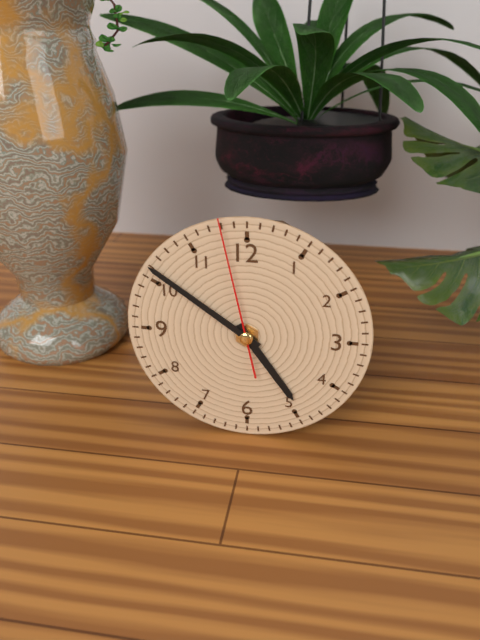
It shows 4 h 51 min 58 s
